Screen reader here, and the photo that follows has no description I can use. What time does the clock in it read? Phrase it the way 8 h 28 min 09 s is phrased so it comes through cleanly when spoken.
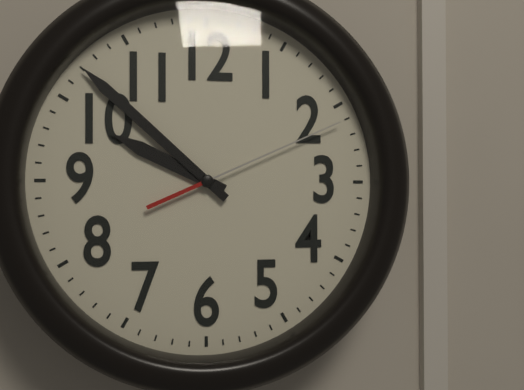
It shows 9 h 52 min 11 s
